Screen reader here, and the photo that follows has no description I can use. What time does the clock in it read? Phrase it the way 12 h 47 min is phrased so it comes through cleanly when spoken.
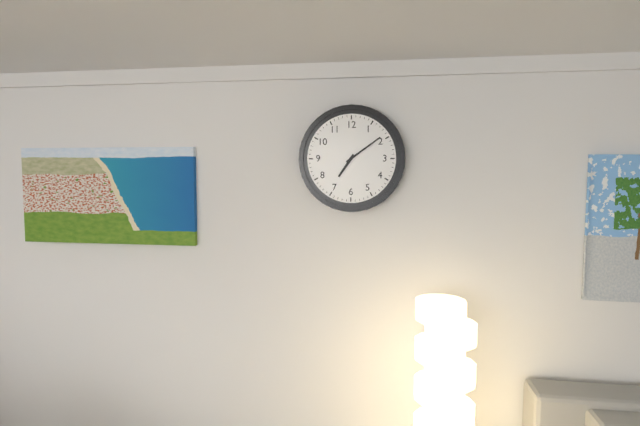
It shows 7 h 09 min
